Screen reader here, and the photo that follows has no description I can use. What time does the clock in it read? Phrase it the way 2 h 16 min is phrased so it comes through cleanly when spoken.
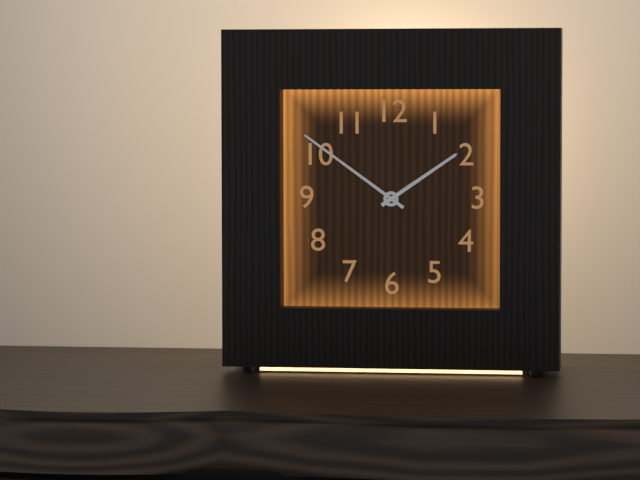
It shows 1 h 51 min
